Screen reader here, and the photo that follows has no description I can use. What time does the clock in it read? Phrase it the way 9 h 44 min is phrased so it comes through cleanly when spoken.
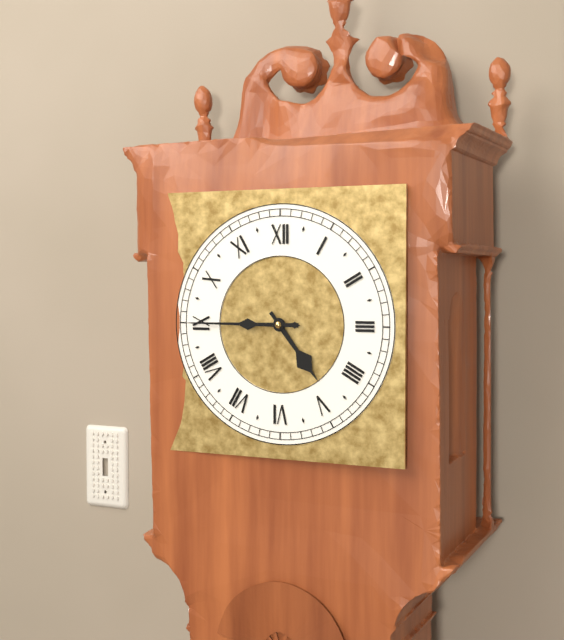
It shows 4 h 45 min
